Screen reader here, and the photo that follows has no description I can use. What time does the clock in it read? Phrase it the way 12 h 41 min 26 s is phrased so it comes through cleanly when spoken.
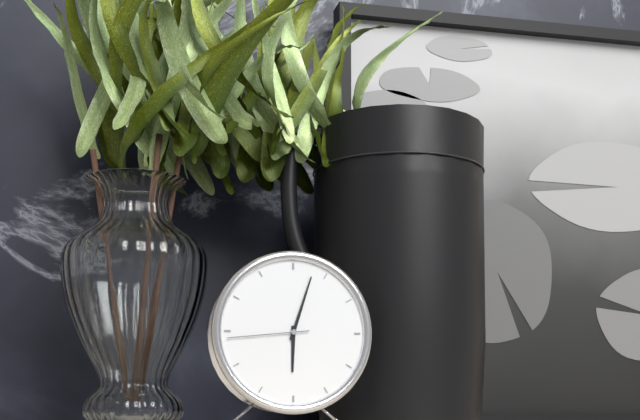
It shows 6 h 03 min 44 s
